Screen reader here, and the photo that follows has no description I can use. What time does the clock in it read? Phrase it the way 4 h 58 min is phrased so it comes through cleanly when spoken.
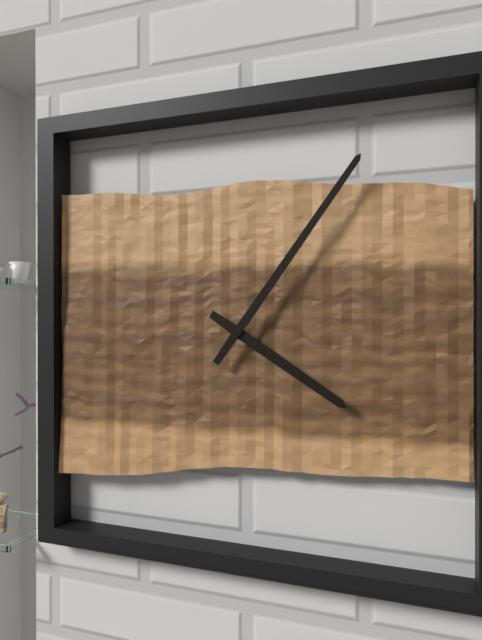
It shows 4 h 06 min
